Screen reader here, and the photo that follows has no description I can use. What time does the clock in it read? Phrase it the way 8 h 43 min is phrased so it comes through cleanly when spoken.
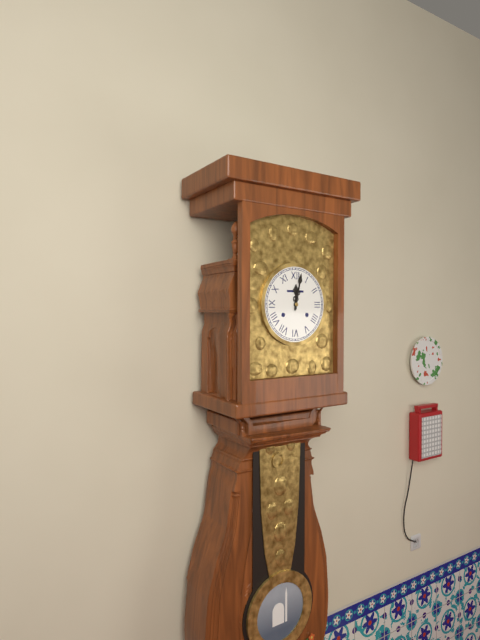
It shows 12 h 02 min
